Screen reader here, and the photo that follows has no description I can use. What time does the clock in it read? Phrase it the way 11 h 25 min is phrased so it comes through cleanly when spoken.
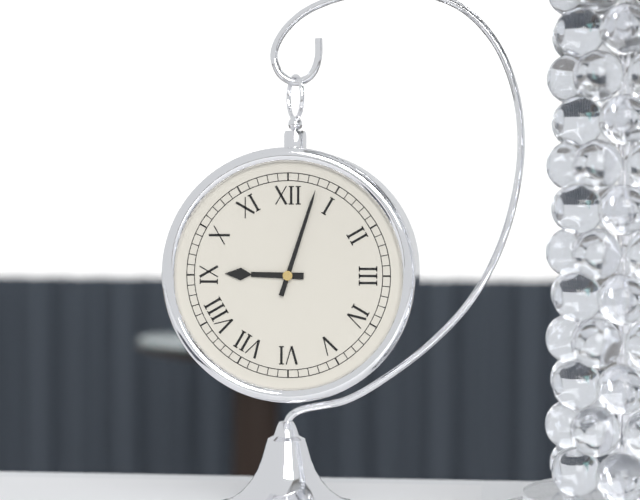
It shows 9 h 03 min
